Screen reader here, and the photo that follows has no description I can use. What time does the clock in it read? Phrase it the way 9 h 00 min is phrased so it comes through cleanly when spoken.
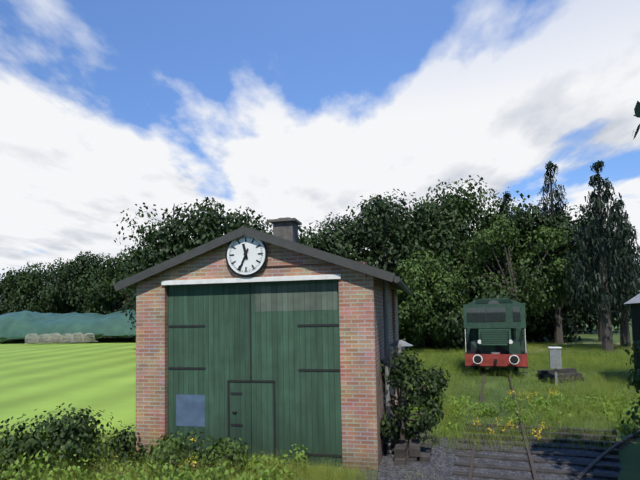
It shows 11 h 34 min
